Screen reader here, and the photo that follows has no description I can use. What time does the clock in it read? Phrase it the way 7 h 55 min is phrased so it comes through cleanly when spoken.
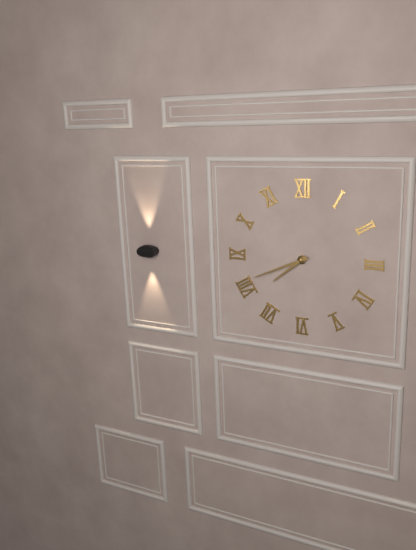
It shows 7 h 41 min
